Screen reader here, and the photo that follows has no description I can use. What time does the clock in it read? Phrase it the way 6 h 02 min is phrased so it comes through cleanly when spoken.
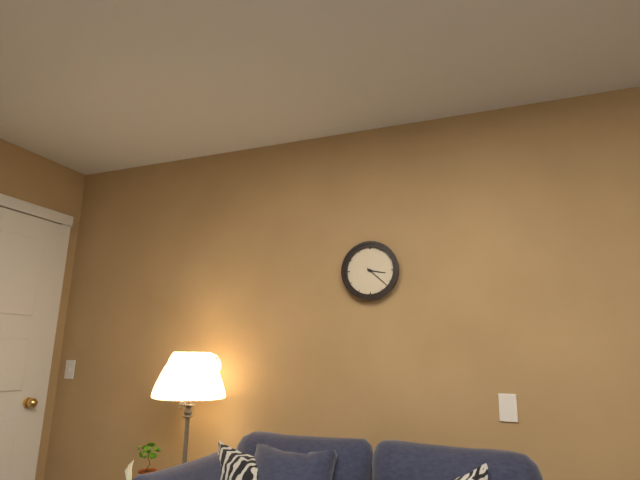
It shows 3 h 22 min
